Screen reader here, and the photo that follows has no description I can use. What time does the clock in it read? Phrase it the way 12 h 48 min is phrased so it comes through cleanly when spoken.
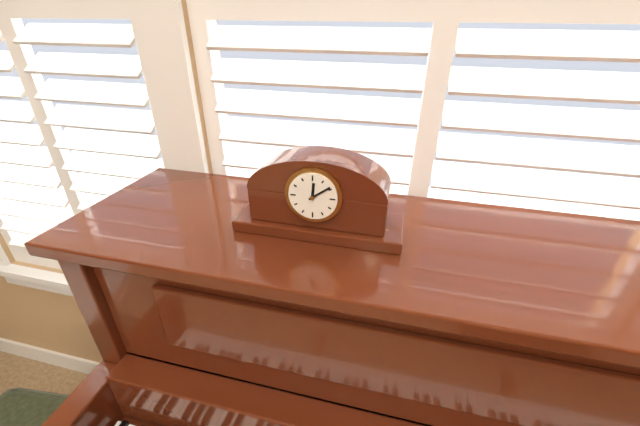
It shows 12 h 09 min
